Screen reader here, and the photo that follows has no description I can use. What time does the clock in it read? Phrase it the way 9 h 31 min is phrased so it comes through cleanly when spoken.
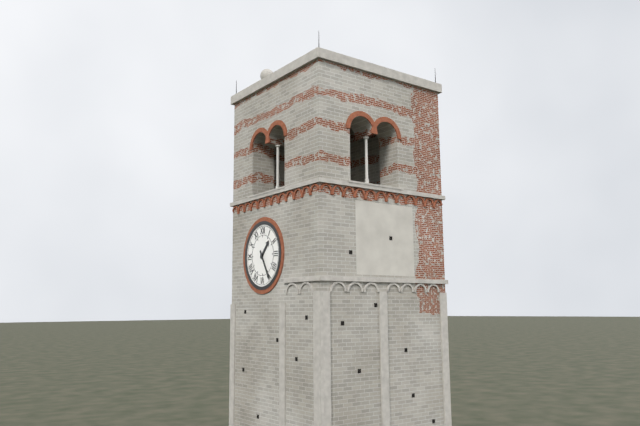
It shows 1 h 25 min
